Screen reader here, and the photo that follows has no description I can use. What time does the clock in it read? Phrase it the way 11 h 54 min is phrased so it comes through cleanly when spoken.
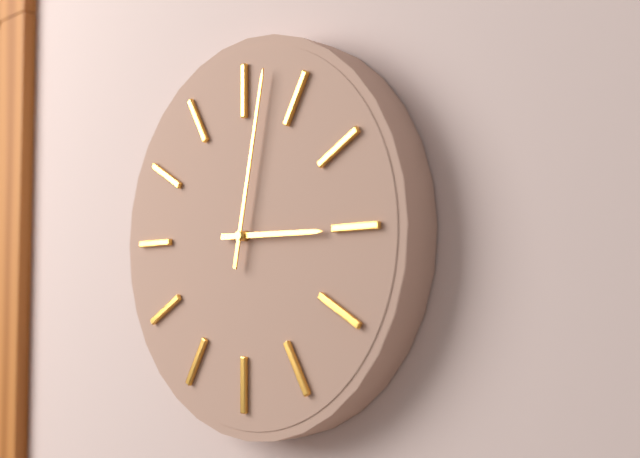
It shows 3 h 02 min
